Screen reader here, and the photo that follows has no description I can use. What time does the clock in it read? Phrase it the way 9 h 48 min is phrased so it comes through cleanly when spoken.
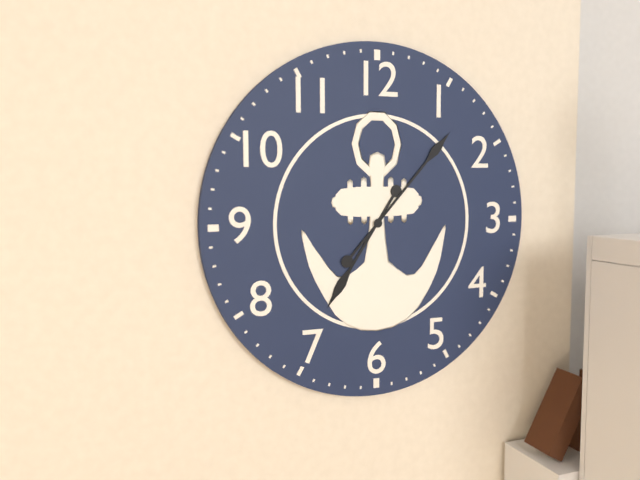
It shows 7 h 07 min
